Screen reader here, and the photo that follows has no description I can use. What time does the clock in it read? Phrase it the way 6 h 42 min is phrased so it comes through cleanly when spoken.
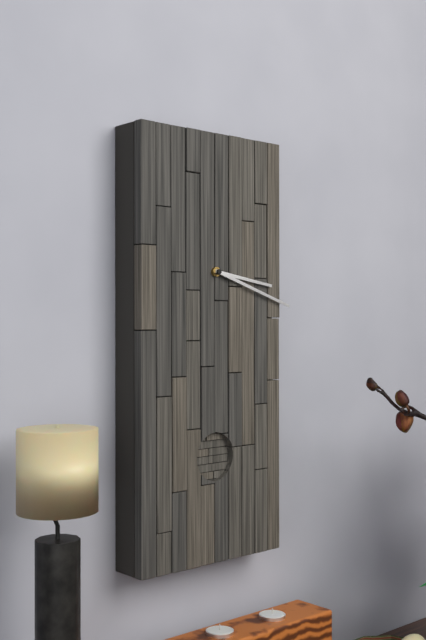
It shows 3 h 18 min
